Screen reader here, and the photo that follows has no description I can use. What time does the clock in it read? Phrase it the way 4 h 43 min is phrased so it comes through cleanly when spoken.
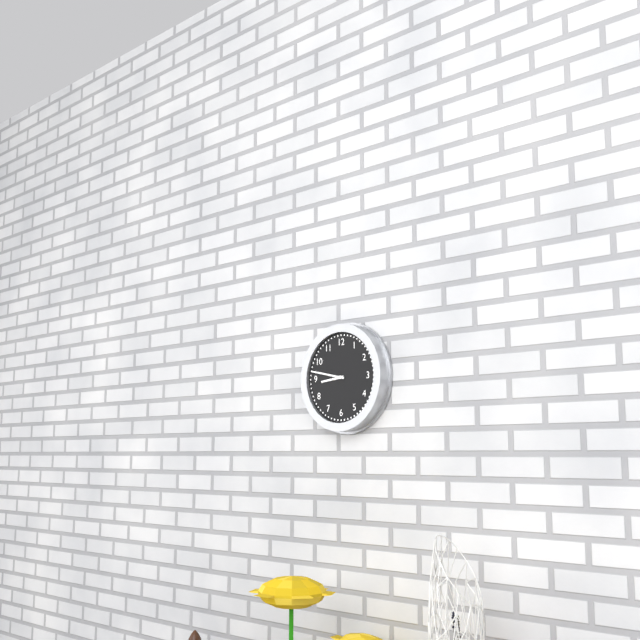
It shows 8 h 47 min
